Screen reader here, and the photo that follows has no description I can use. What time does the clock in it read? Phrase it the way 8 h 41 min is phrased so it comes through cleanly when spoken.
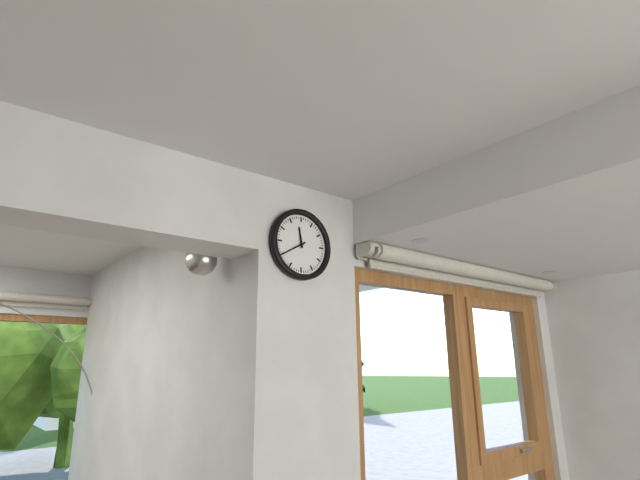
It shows 11 h 40 min
